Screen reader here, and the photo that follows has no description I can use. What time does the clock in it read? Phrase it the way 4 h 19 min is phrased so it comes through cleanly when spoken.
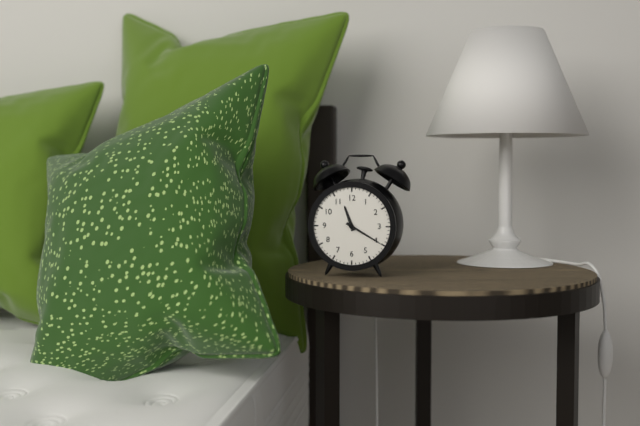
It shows 11 h 20 min
